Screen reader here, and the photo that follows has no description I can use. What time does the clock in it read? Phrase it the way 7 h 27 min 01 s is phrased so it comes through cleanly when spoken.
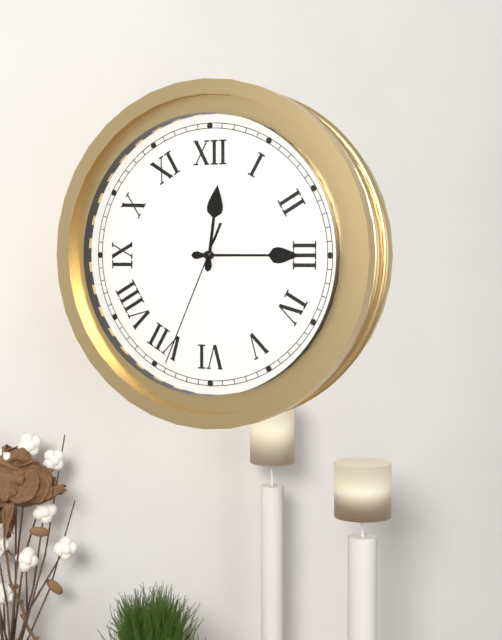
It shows 12 h 15 min 34 s
